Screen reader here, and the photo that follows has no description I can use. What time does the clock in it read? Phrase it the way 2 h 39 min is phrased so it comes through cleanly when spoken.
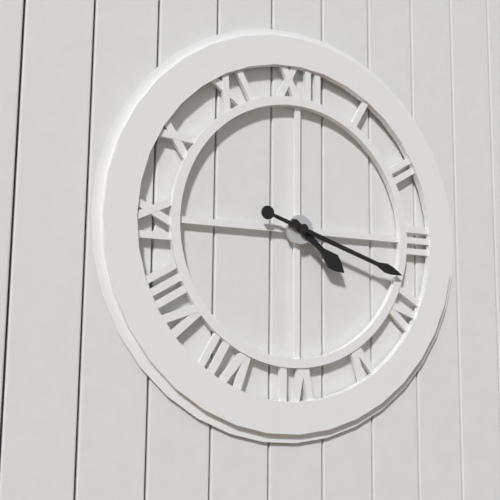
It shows 4 h 18 min
